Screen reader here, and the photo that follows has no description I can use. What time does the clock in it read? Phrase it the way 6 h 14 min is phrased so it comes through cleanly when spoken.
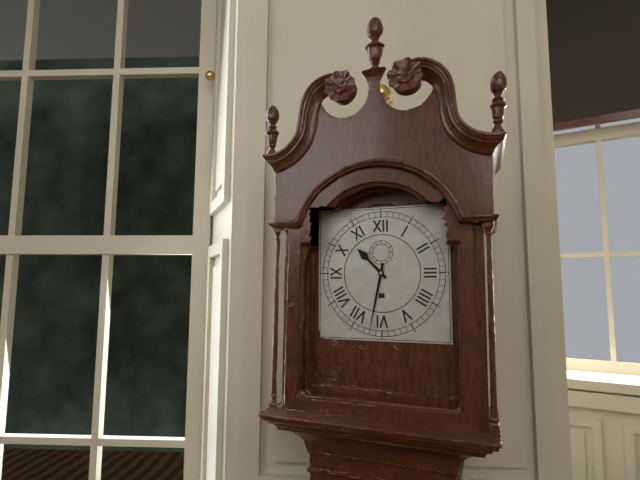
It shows 10 h 32 min
